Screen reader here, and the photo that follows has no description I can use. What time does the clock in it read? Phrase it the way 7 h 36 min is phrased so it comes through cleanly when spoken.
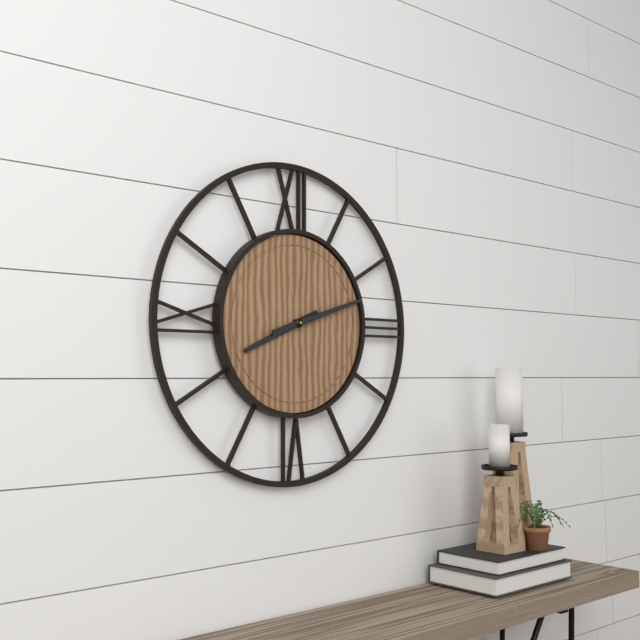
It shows 8 h 12 min
